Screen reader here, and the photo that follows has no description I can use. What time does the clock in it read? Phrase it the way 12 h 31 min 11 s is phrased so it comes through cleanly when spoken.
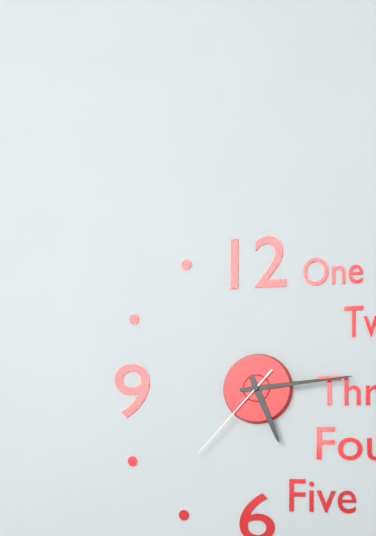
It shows 5 h 14 min 37 s
